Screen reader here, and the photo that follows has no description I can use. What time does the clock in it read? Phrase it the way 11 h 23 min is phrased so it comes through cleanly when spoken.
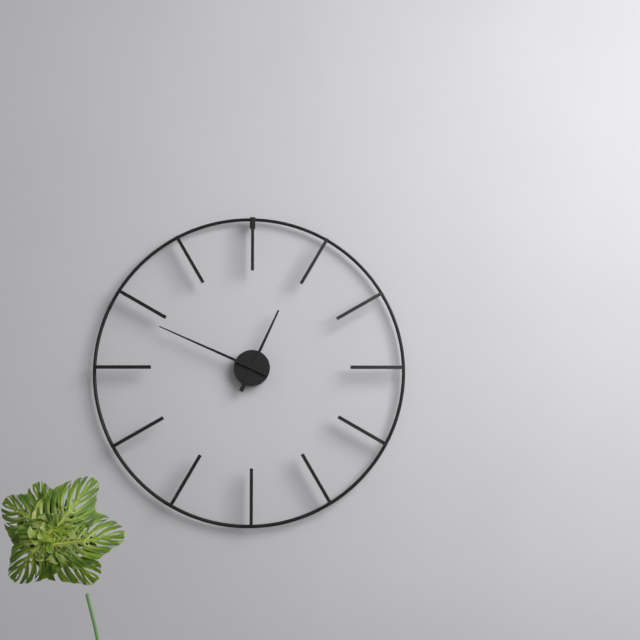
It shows 12 h 49 min
